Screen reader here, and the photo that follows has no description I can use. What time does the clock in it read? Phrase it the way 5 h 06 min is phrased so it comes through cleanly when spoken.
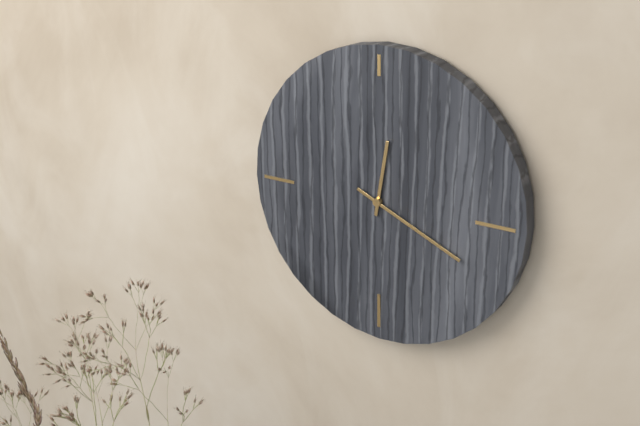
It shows 12 h 19 min
